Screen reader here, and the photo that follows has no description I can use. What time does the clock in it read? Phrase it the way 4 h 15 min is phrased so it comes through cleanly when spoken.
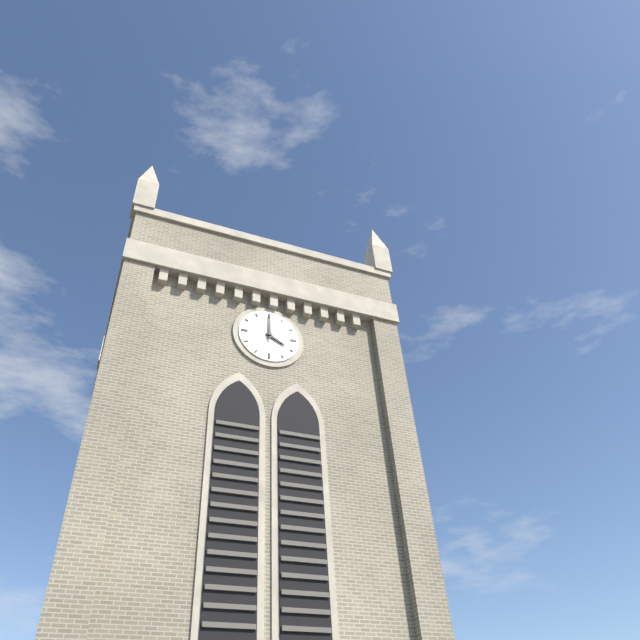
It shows 4 h 00 min
